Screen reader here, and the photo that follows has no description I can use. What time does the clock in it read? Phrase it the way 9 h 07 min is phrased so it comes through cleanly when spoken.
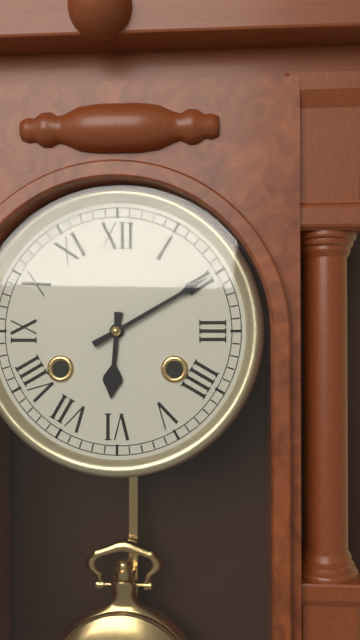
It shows 6 h 10 min
